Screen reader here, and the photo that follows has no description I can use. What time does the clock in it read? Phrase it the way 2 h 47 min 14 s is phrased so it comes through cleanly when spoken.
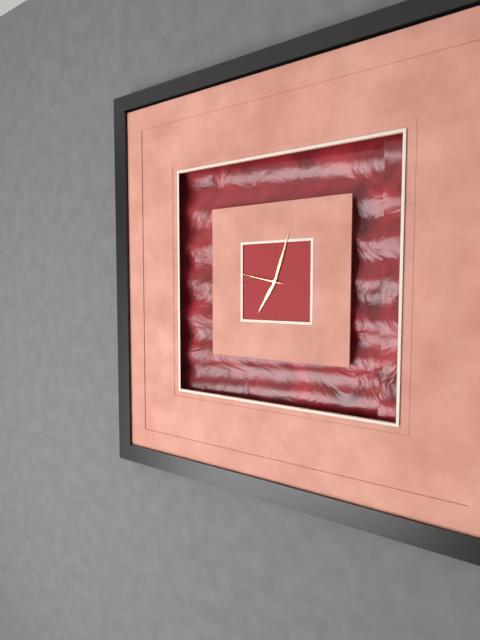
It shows 7 h 03 min 47 s
